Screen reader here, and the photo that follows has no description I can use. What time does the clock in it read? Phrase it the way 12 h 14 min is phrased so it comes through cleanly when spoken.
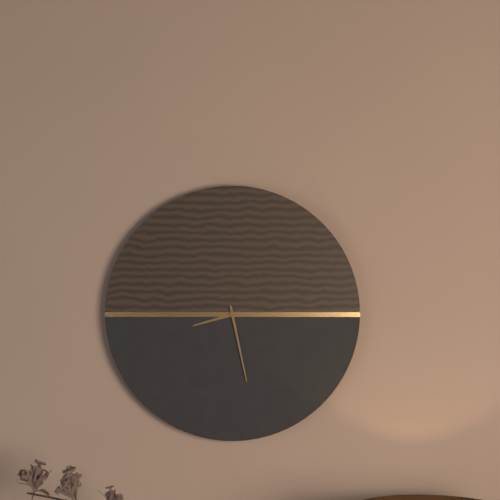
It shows 8 h 28 min
